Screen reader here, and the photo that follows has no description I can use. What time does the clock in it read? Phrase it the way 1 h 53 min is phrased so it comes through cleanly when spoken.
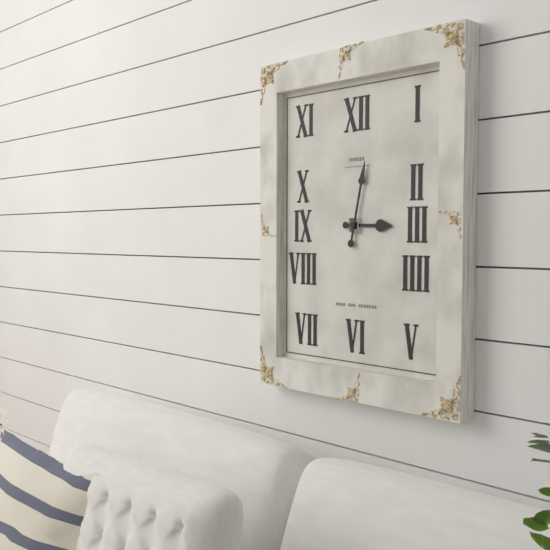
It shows 3 h 02 min
